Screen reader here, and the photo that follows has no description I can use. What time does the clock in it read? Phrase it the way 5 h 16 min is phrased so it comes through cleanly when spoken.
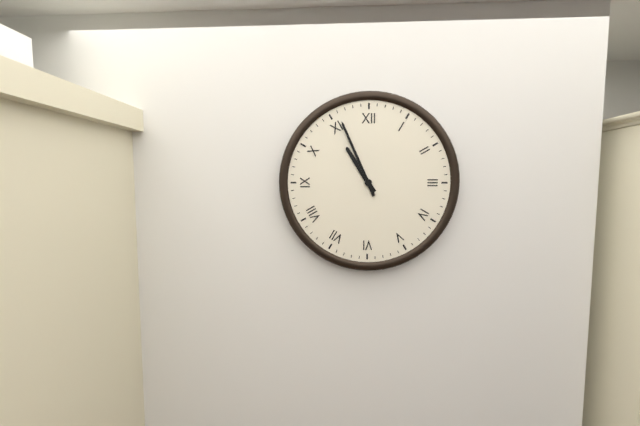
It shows 10 h 56 min
